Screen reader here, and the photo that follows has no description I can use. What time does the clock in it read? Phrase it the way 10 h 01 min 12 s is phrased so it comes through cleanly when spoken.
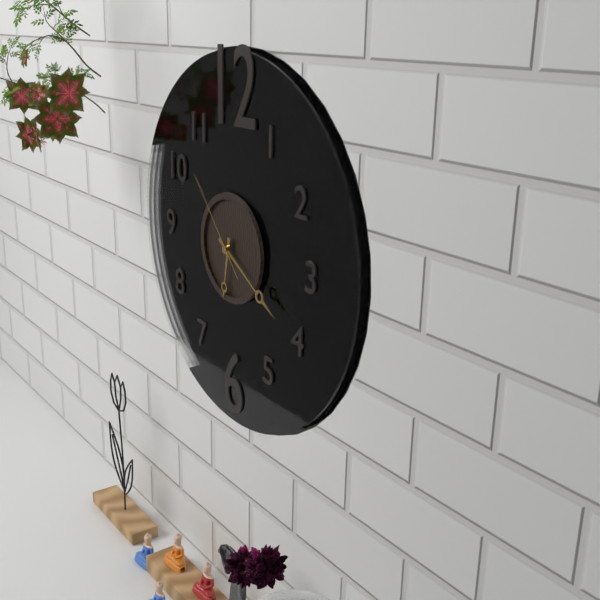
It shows 6 h 20 min 53 s
